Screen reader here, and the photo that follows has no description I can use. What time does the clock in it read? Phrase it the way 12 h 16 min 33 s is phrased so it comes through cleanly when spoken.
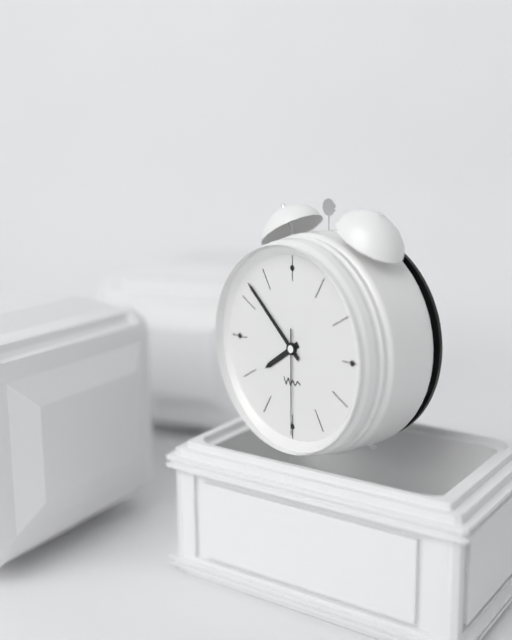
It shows 7 h 52 min 30 s
